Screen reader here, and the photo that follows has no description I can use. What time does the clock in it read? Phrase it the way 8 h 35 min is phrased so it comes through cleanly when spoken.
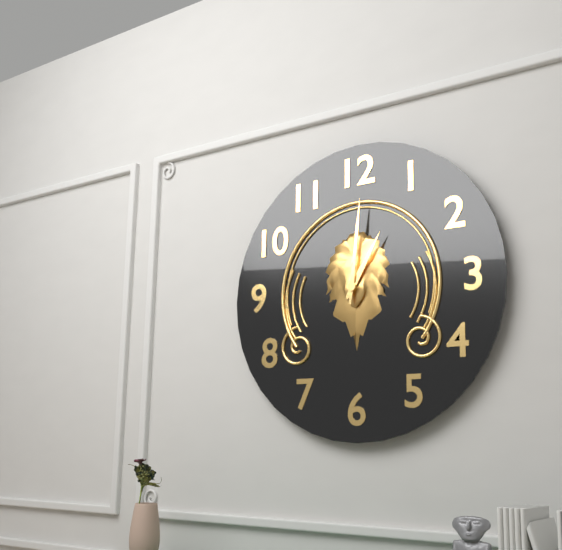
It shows 1 h 01 min
